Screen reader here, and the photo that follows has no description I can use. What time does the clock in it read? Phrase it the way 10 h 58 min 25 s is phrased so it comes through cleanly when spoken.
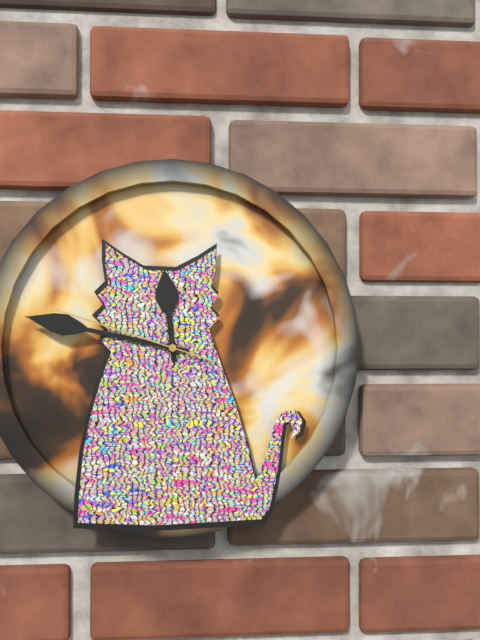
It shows 11 h 47 min 48 s
